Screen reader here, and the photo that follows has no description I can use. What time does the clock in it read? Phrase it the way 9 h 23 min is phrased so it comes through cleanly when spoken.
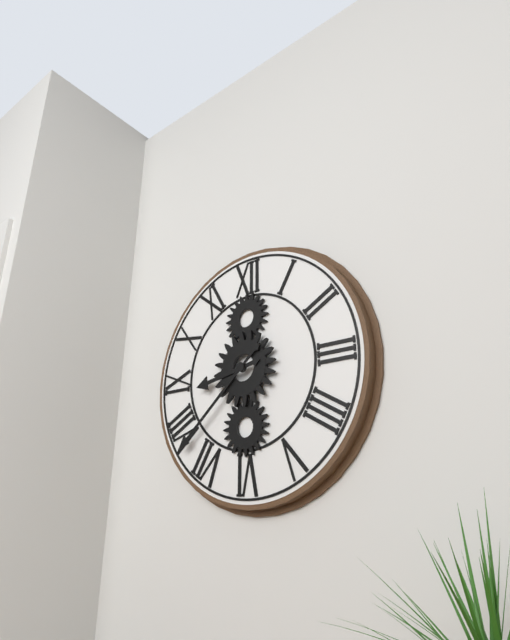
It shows 8 h 38 min
